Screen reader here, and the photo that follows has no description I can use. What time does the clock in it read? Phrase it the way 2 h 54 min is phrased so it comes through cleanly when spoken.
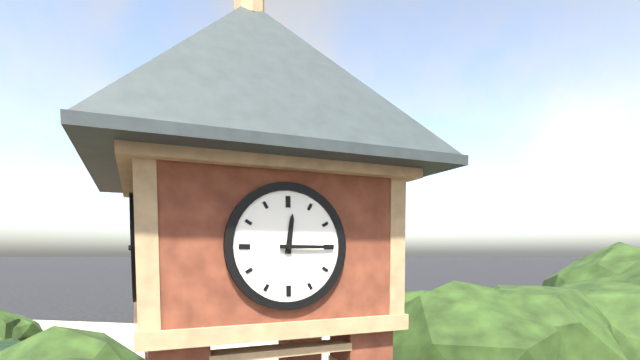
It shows 12 h 15 min
